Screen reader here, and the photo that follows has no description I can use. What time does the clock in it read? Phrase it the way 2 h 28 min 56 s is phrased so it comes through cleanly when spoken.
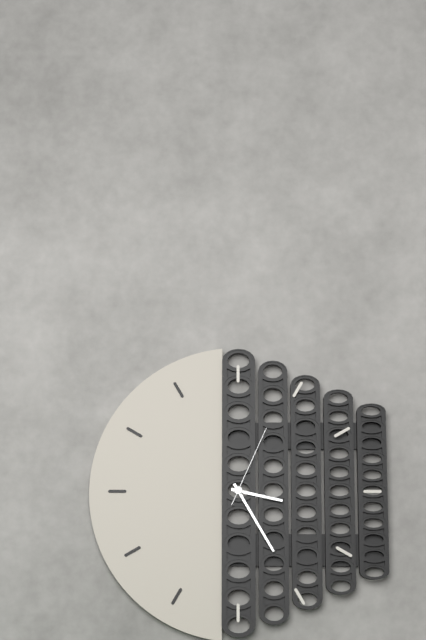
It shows 3 h 25 min 04 s
